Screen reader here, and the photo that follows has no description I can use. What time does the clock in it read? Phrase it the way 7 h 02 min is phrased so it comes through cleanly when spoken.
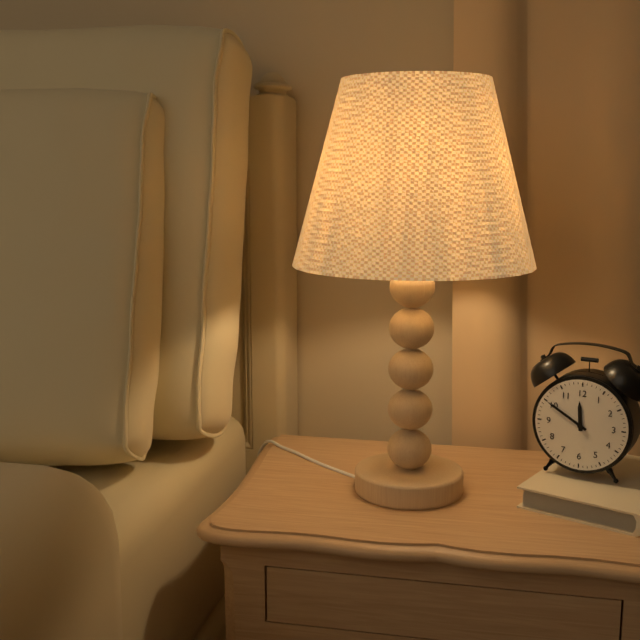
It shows 11 h 50 min
